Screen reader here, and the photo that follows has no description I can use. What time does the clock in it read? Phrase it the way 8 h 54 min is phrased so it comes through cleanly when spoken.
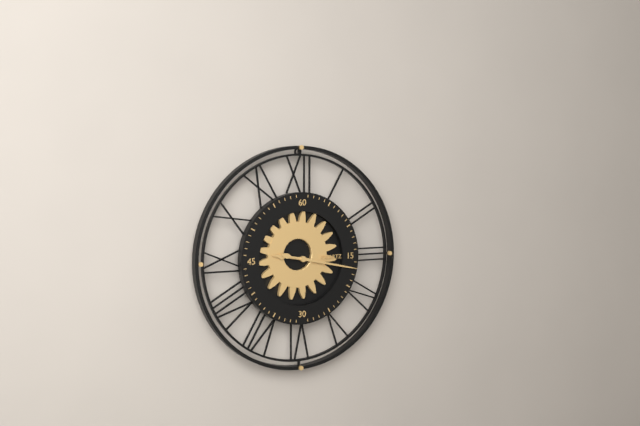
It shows 9 h 17 min
